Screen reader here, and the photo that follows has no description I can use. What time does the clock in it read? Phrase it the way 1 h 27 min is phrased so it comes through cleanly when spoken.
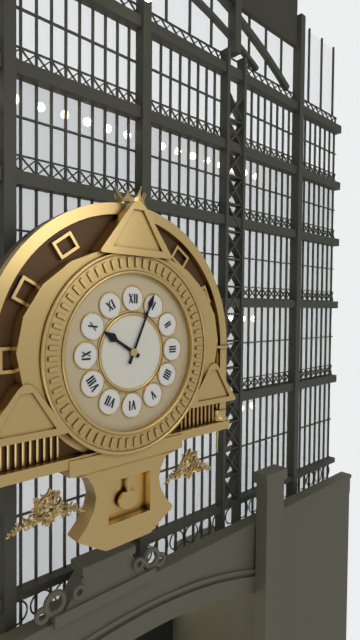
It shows 10 h 04 min
